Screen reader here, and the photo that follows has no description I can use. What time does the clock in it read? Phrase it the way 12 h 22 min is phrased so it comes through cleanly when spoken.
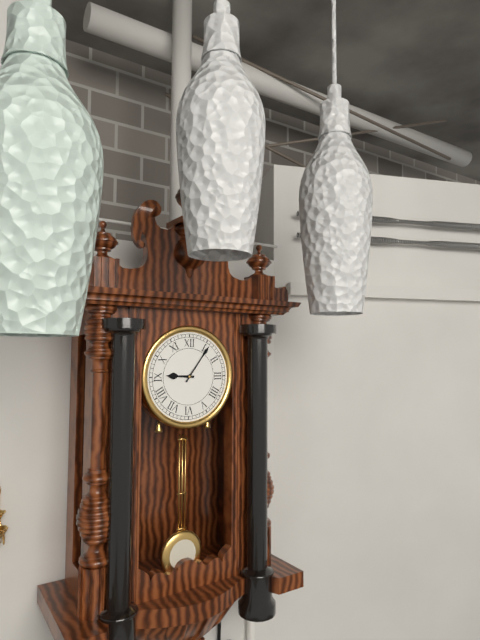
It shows 9 h 06 min
